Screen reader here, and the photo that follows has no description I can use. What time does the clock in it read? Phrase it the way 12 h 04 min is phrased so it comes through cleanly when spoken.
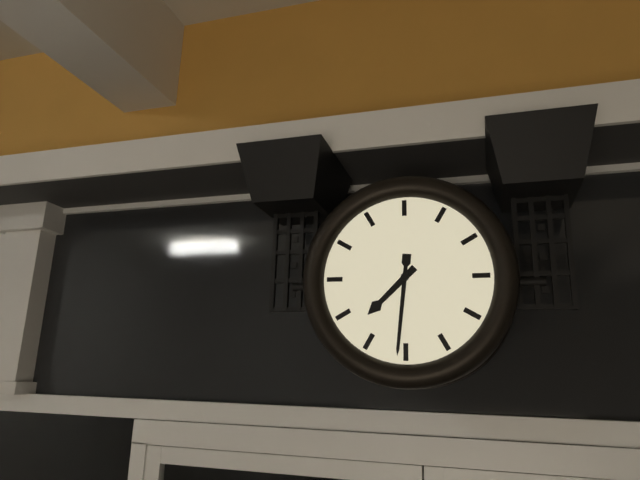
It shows 7 h 31 min
